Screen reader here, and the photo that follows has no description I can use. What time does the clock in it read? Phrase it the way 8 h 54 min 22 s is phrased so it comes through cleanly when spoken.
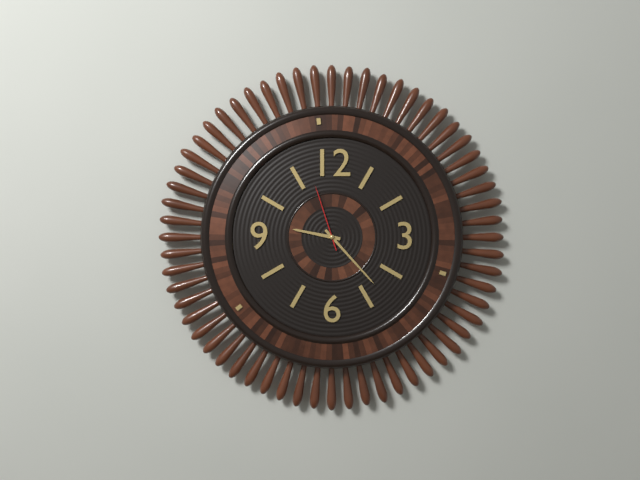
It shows 9 h 23 min 57 s
